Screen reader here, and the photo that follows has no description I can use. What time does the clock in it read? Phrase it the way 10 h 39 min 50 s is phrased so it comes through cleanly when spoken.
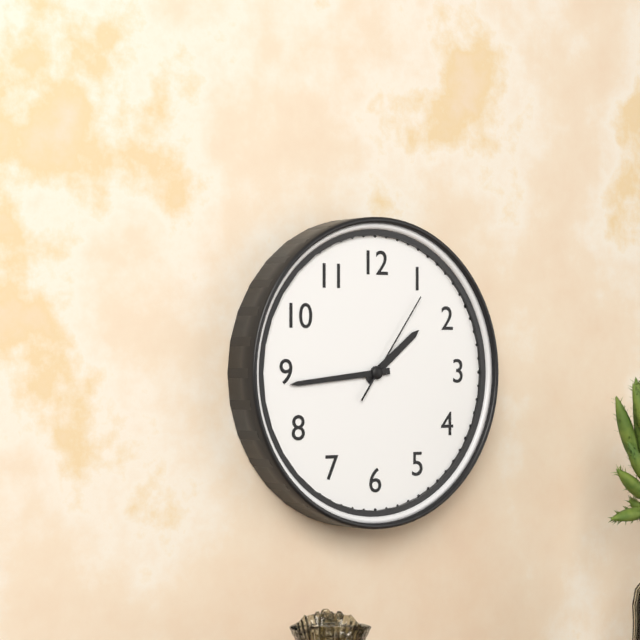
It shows 1 h 44 min 06 s
